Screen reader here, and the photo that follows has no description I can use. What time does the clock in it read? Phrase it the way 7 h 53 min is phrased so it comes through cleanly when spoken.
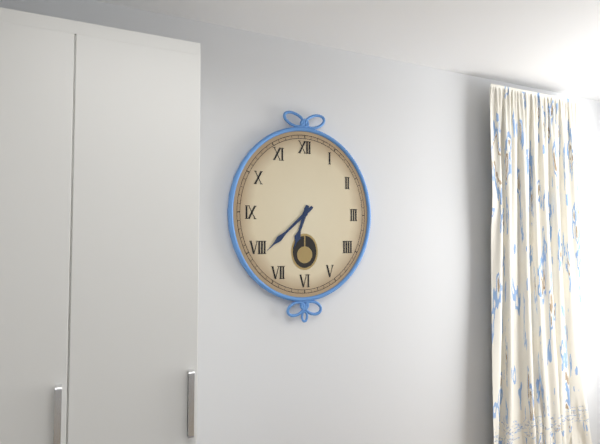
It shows 6 h 38 min
